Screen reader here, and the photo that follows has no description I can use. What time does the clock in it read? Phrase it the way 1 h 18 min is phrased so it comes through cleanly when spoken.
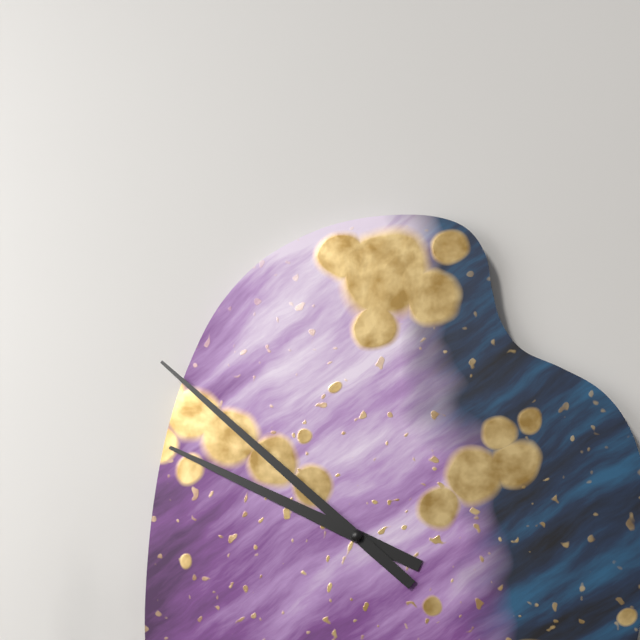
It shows 9 h 52 min
